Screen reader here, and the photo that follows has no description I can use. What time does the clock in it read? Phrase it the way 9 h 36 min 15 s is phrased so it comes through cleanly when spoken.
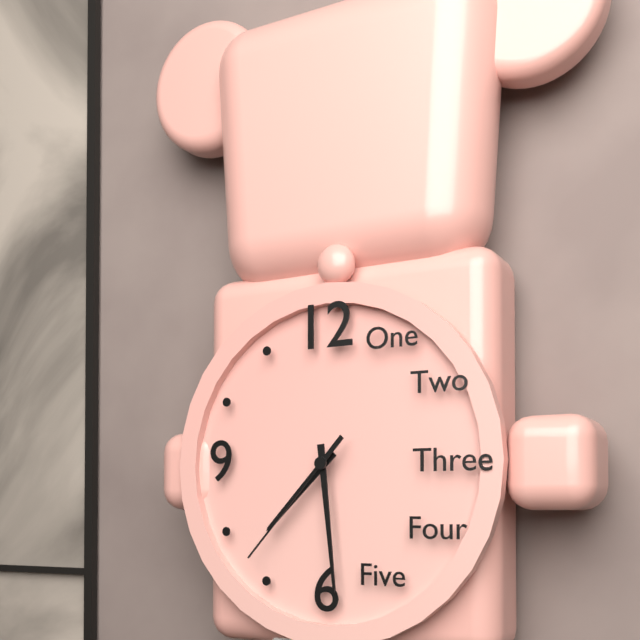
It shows 7 h 29 min 37 s
